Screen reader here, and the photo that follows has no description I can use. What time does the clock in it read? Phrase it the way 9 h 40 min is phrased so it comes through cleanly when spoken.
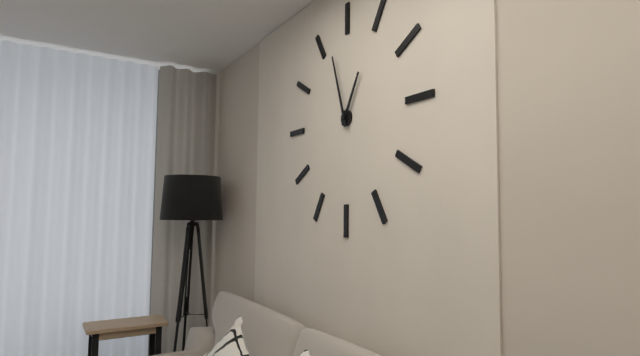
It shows 12 h 57 min
